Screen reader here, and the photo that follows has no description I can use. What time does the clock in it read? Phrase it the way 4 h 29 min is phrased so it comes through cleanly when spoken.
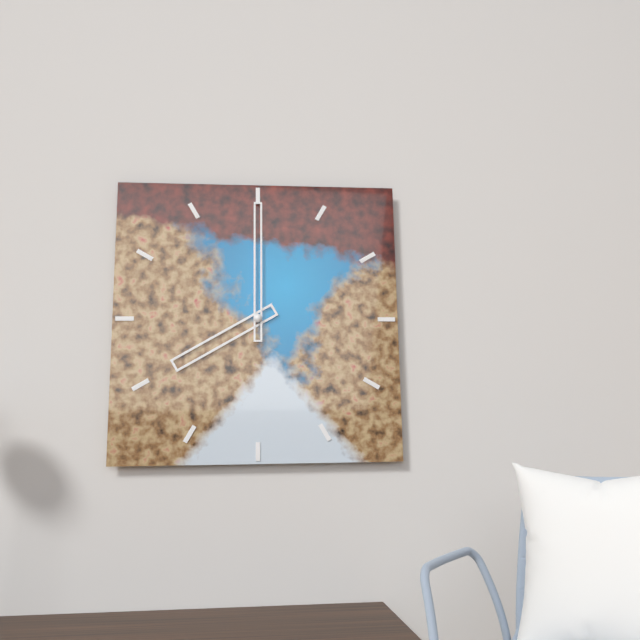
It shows 8 h 00 min
